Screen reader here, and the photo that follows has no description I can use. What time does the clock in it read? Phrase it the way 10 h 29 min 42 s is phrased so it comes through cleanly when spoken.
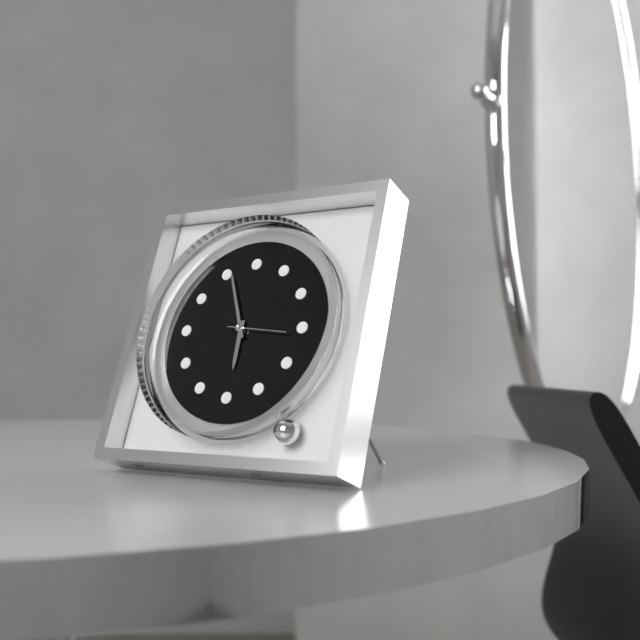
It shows 5 h 56 min 16 s
